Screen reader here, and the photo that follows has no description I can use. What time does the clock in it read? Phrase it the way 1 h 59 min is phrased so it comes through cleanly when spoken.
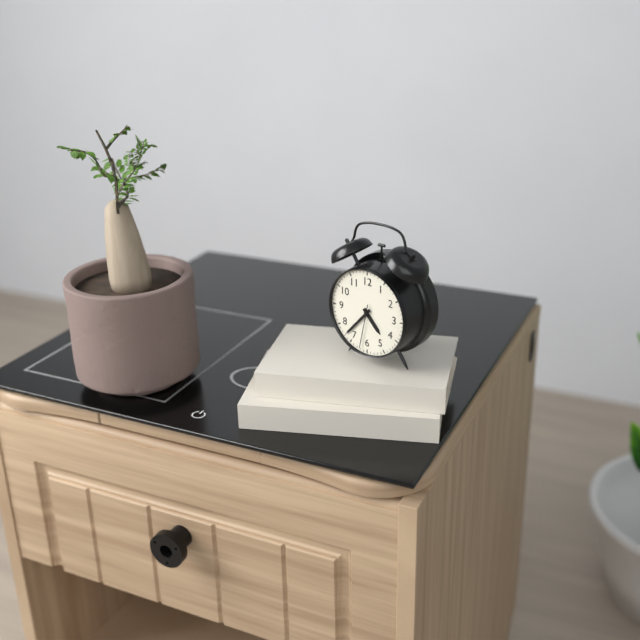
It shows 4 h 37 min
